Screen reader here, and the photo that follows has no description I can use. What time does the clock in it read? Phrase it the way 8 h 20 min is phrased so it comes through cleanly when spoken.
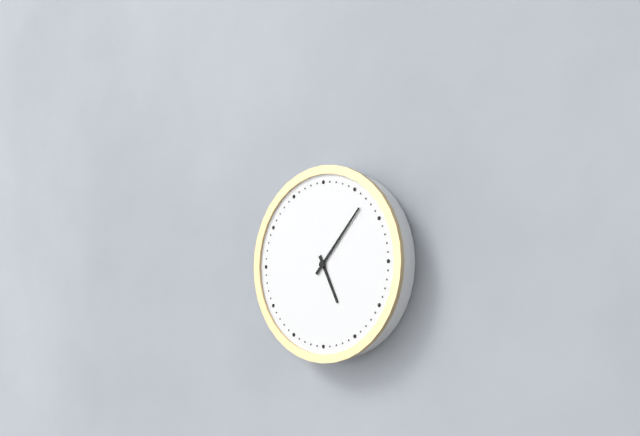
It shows 5 h 07 min
